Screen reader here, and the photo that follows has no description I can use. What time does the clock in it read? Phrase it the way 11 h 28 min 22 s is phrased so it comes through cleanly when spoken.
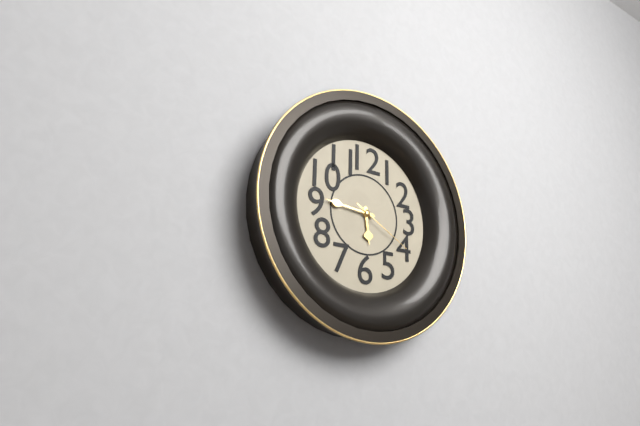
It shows 5 h 46 min 20 s
